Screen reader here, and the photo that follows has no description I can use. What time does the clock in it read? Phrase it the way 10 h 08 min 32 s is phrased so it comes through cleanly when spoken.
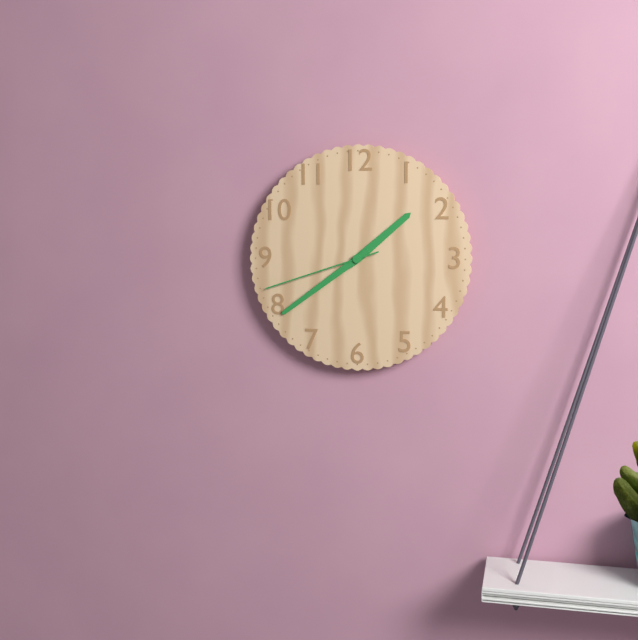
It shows 1 h 39 min 42 s
